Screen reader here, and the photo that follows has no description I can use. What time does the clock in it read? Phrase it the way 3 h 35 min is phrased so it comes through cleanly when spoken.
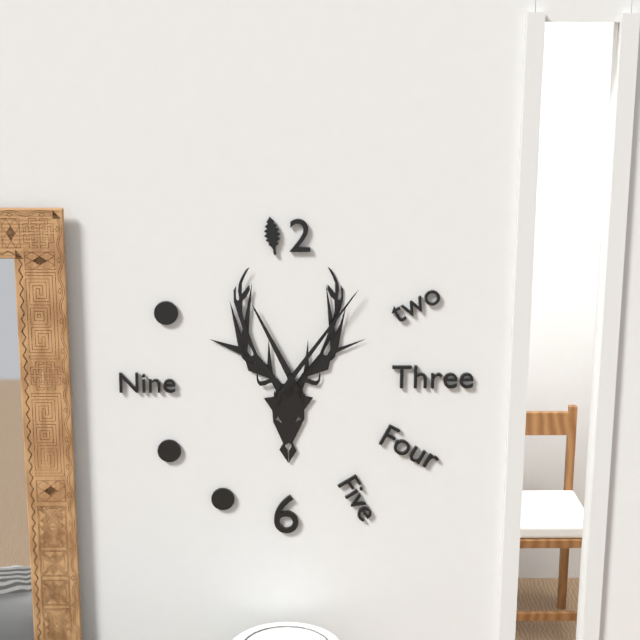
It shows 11 h 06 min
